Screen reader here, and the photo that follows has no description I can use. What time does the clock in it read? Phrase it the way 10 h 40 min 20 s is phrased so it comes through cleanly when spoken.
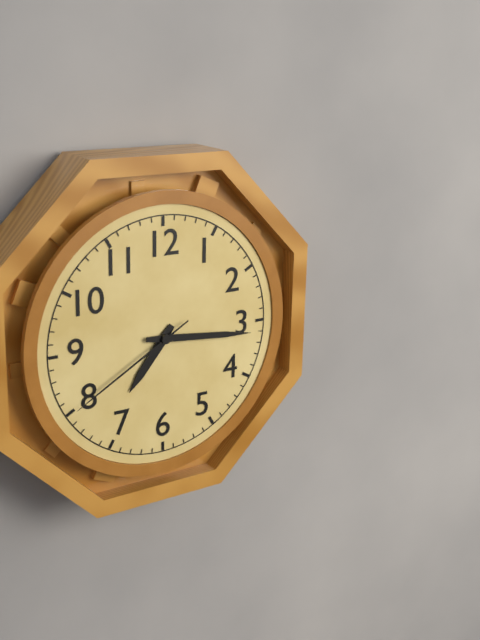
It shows 7 h 16 min 40 s
